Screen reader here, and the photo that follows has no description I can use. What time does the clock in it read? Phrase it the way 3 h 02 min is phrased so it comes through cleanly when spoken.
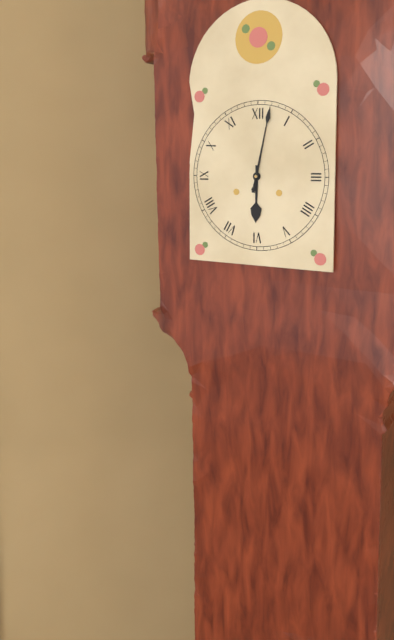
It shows 6 h 02 min
